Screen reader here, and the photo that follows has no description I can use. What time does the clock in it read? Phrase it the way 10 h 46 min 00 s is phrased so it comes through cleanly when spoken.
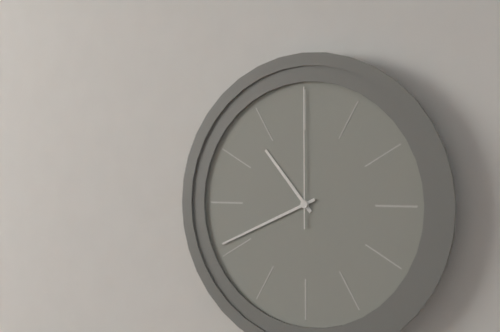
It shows 10 h 41 min 00 s
